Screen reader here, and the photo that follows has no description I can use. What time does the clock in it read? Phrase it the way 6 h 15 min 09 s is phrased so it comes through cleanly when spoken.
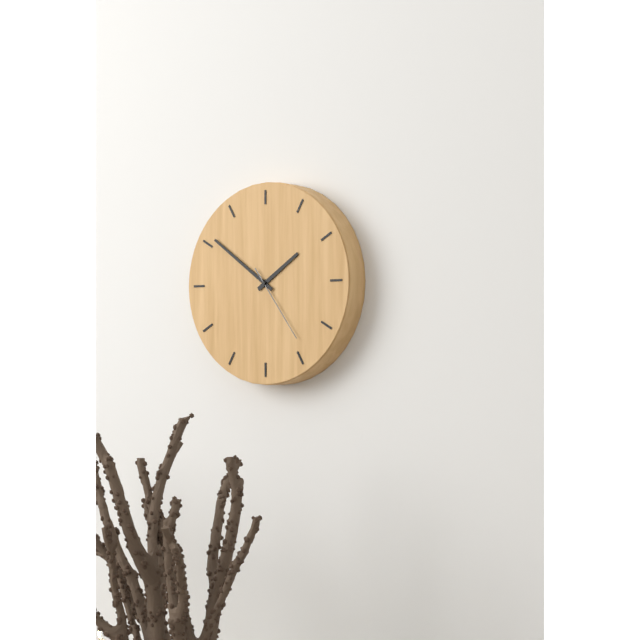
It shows 1 h 51 min 24 s
